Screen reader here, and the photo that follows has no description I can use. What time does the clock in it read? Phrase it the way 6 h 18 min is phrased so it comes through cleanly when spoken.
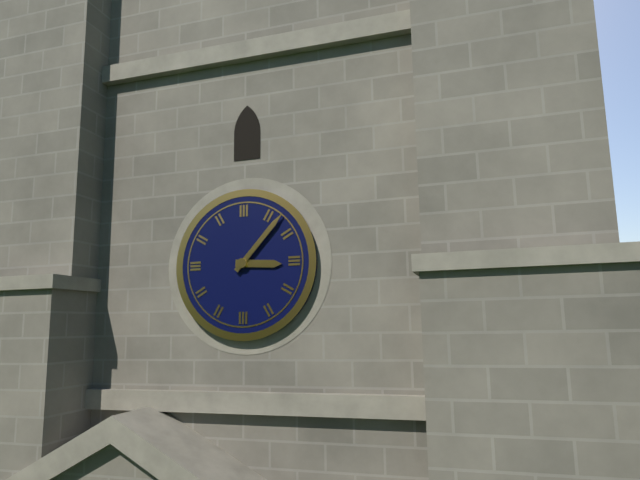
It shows 3 h 07 min
